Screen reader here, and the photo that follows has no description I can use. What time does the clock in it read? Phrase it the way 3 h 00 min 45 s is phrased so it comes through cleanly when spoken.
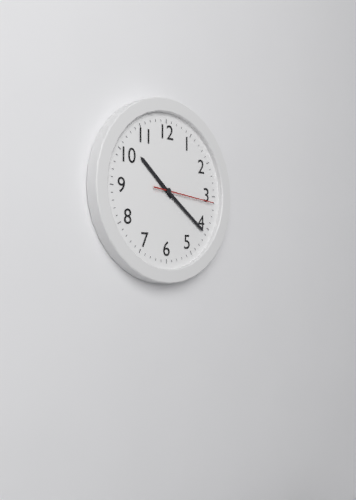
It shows 10 h 21 min 16 s
